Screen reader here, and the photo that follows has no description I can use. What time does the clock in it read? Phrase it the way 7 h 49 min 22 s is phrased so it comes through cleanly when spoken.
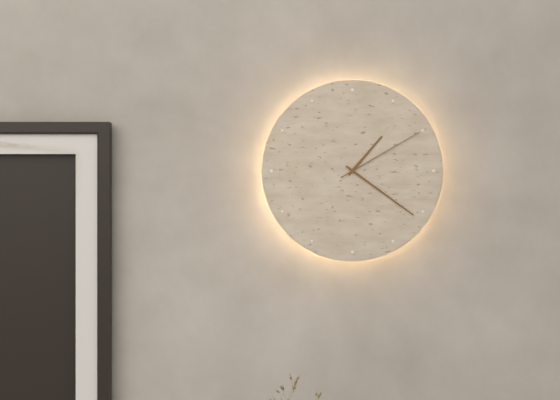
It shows 1 h 21 min 10 s
